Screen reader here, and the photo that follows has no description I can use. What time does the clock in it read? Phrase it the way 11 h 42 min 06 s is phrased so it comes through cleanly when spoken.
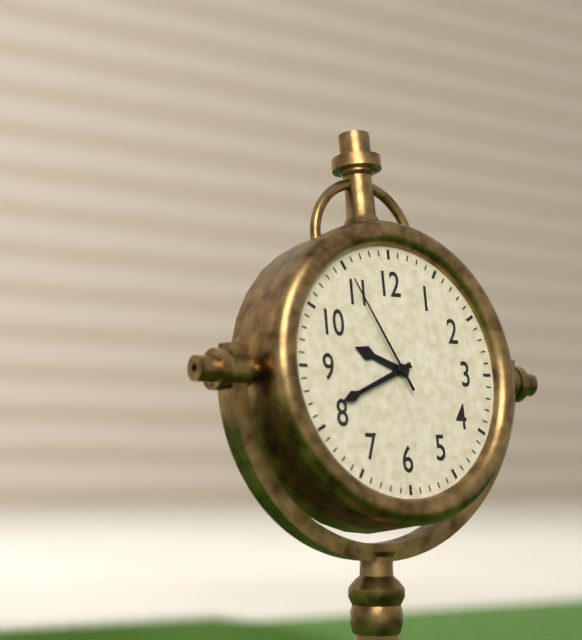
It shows 9 h 41 min 55 s
